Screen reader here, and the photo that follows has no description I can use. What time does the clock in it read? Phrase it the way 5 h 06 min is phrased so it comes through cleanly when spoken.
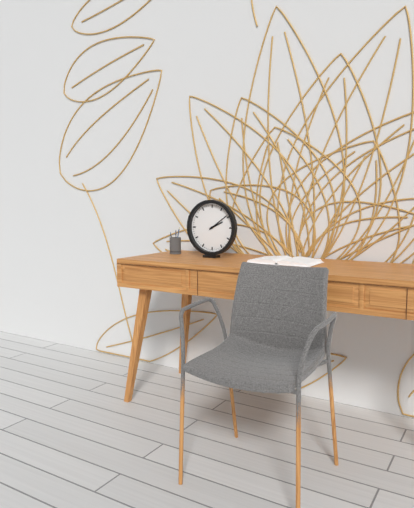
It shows 2 h 09 min
